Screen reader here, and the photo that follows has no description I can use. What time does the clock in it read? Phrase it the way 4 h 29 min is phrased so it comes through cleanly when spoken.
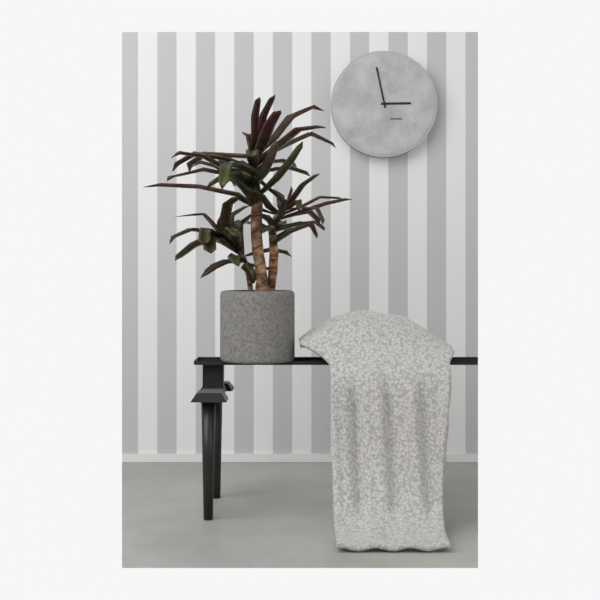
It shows 2 h 58 min
